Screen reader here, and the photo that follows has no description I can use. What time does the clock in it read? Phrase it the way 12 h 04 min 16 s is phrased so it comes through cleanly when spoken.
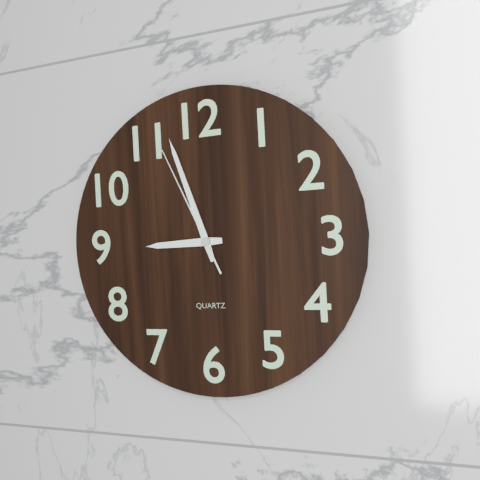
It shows 8 h 57 min 56 s
